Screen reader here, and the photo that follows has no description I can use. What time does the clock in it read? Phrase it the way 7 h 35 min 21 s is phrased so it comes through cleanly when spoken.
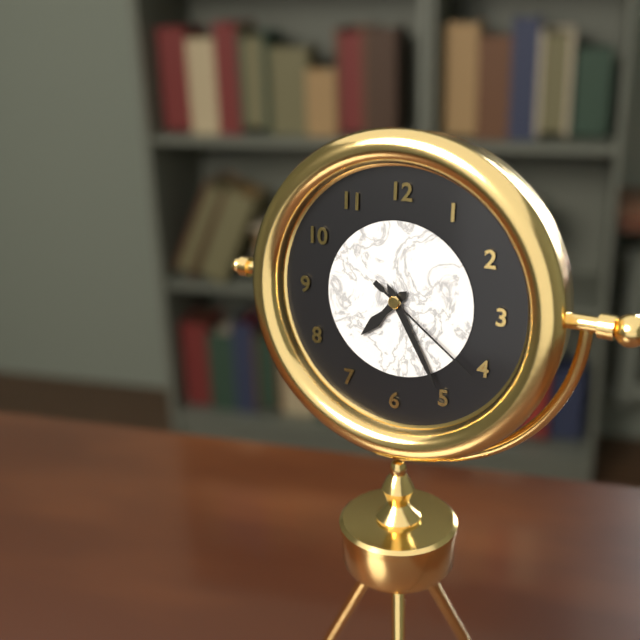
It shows 7 h 25 min 21 s
